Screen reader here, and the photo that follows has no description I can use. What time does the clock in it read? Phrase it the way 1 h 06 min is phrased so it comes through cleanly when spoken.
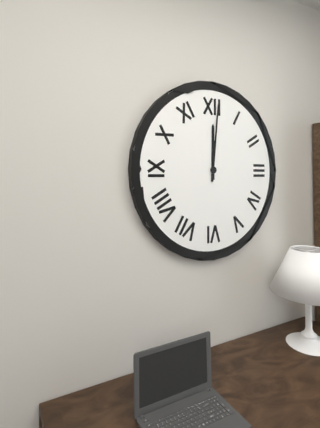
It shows 12 h 01 min
